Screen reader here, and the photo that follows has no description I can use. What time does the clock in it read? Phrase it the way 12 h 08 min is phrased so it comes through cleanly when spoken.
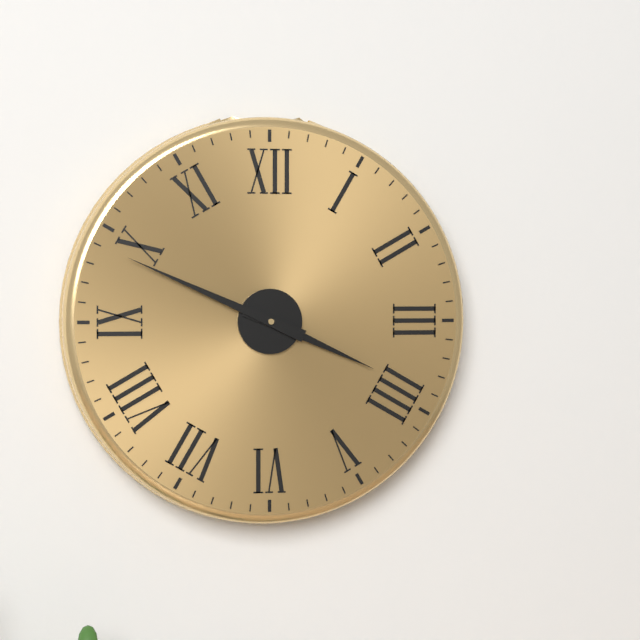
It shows 3 h 49 min
